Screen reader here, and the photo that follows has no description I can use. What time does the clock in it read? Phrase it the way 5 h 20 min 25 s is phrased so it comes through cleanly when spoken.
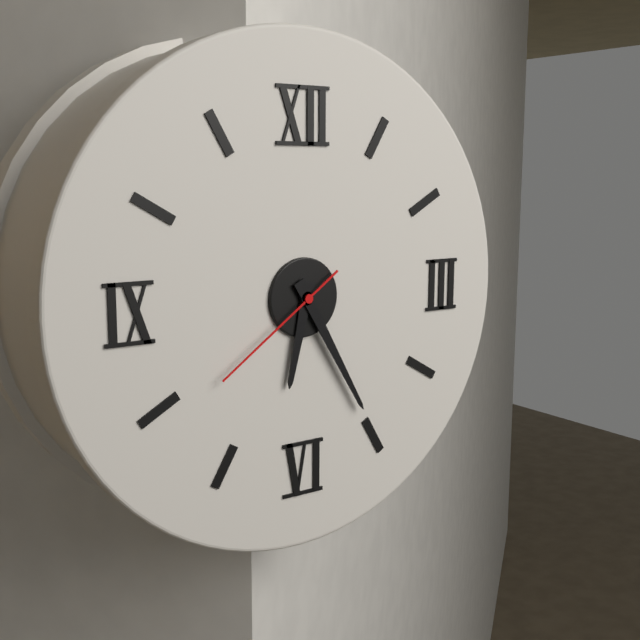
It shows 6 h 25 min 39 s
